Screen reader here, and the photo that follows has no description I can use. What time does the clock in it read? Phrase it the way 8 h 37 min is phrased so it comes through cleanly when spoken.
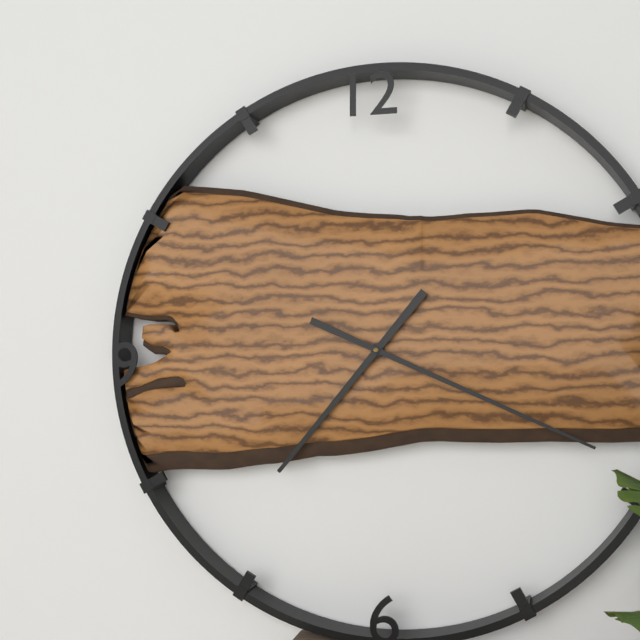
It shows 7 h 19 min
